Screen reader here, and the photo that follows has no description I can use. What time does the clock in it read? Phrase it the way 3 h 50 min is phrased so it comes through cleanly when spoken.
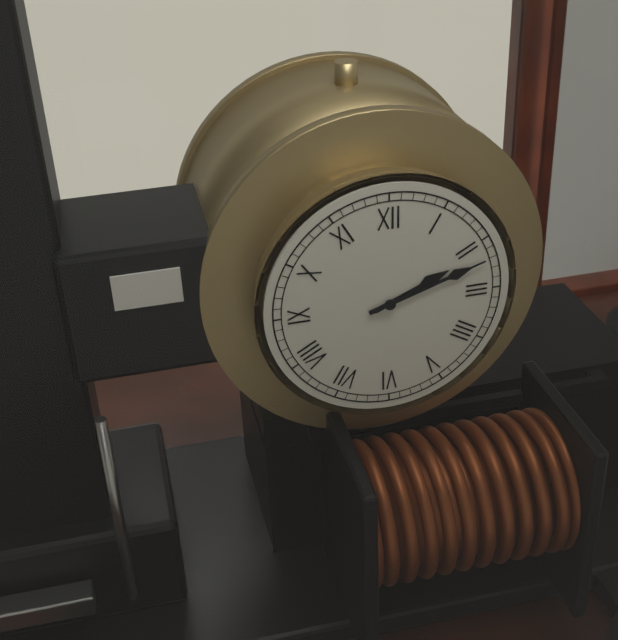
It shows 2 h 12 min
